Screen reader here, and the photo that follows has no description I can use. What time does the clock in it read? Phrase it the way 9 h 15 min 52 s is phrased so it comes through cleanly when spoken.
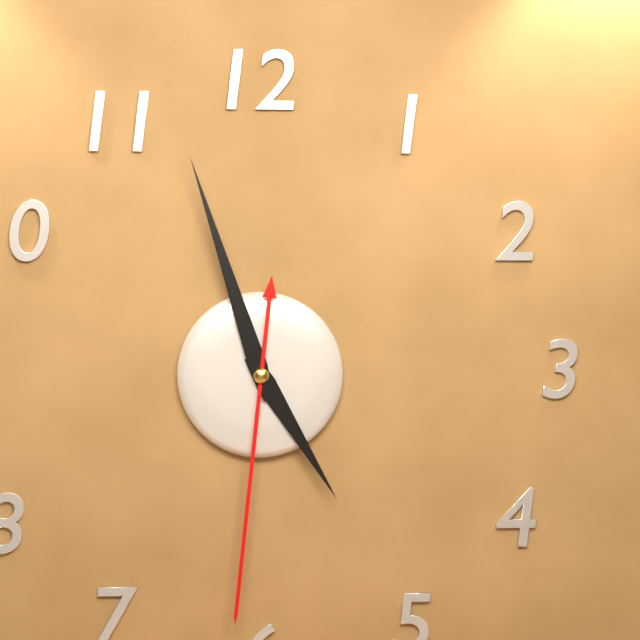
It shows 4 h 57 min 31 s
